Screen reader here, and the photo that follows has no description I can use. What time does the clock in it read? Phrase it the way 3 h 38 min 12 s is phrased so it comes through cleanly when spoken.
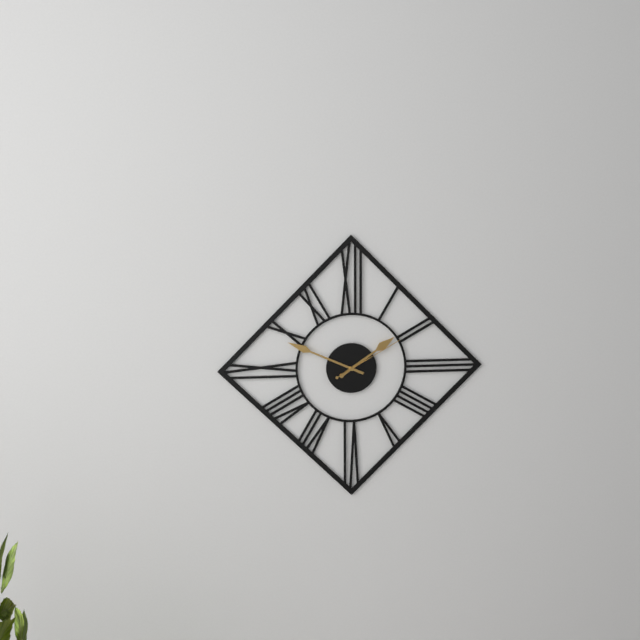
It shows 1 h 49 min 10 s
